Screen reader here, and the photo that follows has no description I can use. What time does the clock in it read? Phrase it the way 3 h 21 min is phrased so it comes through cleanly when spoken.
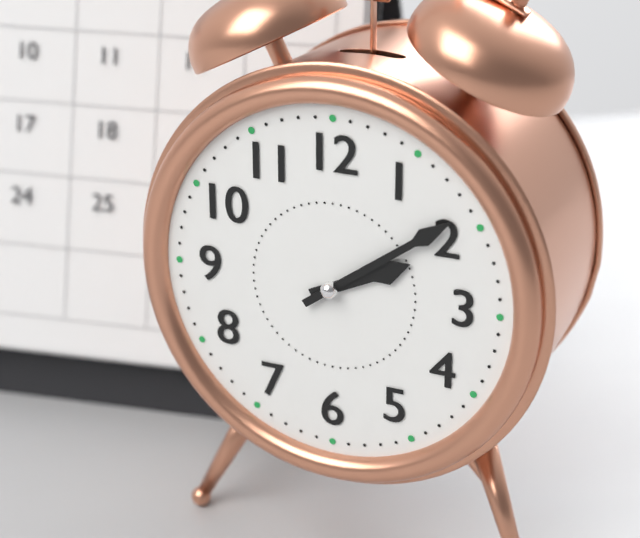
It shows 2 h 09 min
